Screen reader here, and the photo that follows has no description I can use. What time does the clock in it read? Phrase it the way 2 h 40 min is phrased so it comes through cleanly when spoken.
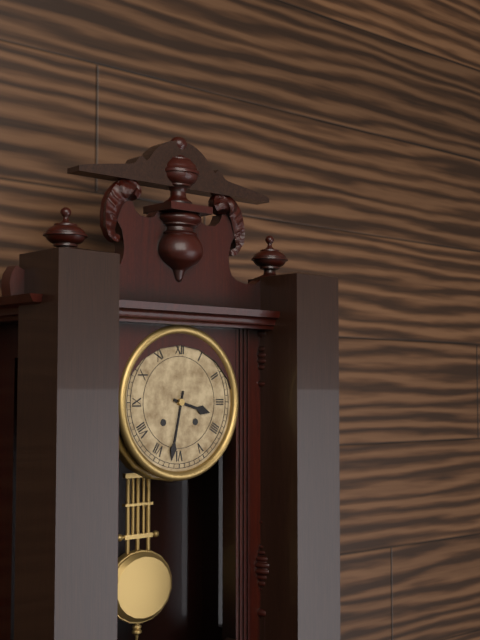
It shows 3 h 32 min
